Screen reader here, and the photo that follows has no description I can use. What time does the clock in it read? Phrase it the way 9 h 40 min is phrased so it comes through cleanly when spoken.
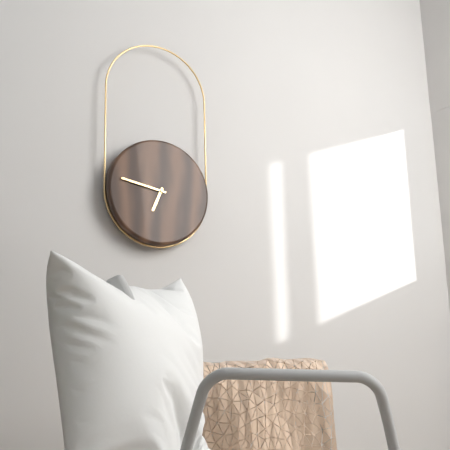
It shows 6 h 47 min
